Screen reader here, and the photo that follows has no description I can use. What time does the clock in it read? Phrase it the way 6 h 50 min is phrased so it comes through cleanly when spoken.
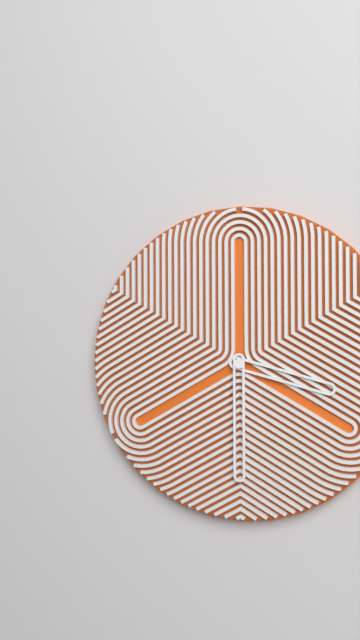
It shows 3 h 30 min
